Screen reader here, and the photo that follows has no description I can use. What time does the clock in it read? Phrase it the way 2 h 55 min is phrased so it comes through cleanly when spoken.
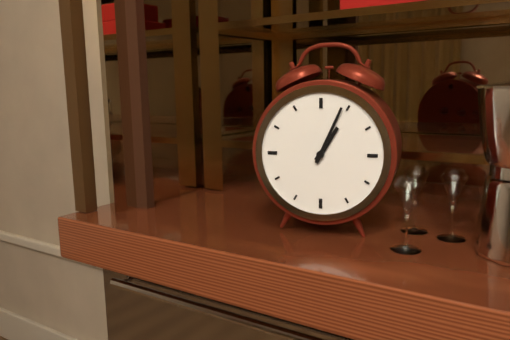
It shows 1 h 04 min
